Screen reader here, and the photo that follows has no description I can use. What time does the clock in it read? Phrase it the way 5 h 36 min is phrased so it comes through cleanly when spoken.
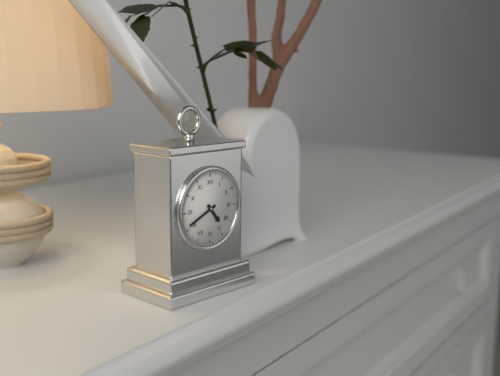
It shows 4 h 41 min
